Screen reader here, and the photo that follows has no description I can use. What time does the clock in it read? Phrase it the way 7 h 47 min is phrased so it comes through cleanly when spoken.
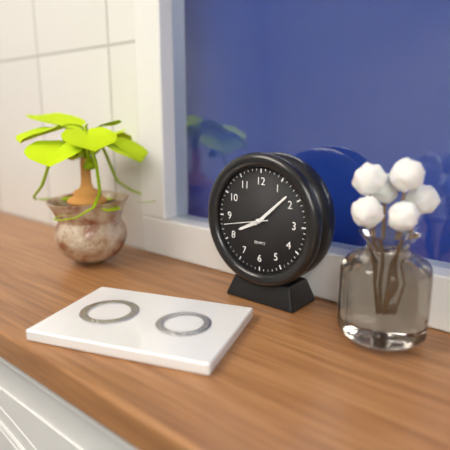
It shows 8 h 08 min
